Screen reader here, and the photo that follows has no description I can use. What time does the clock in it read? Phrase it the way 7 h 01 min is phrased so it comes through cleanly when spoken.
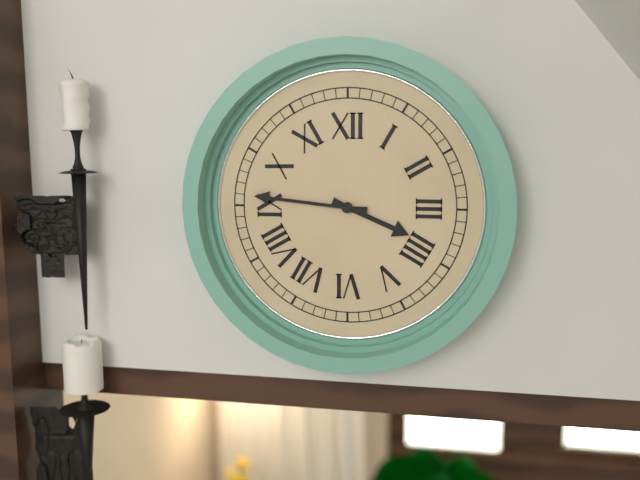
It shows 3 h 46 min
